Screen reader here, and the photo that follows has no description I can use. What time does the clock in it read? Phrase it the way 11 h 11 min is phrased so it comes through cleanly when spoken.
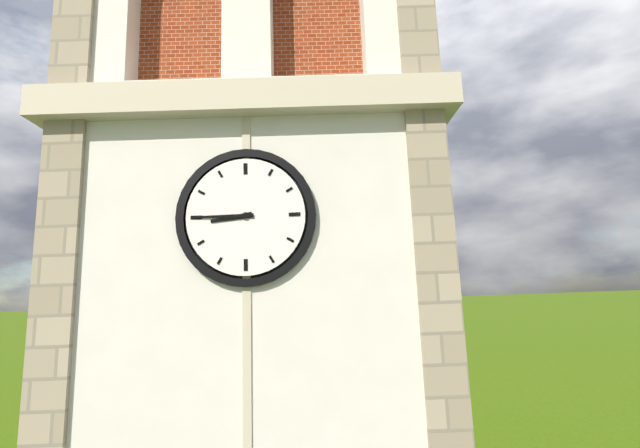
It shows 8 h 45 min
